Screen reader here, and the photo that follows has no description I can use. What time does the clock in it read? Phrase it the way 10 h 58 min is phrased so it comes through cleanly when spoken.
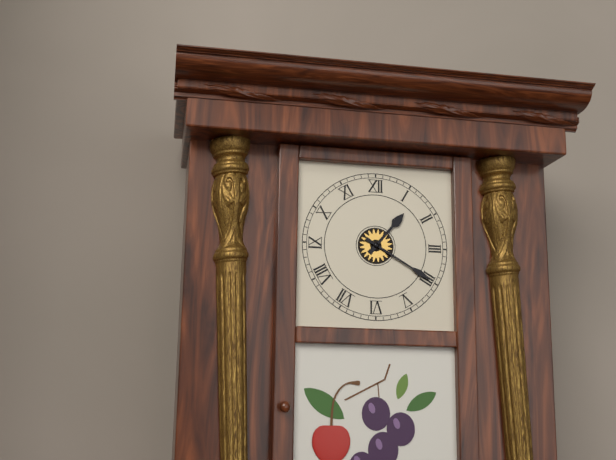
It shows 1 h 20 min
